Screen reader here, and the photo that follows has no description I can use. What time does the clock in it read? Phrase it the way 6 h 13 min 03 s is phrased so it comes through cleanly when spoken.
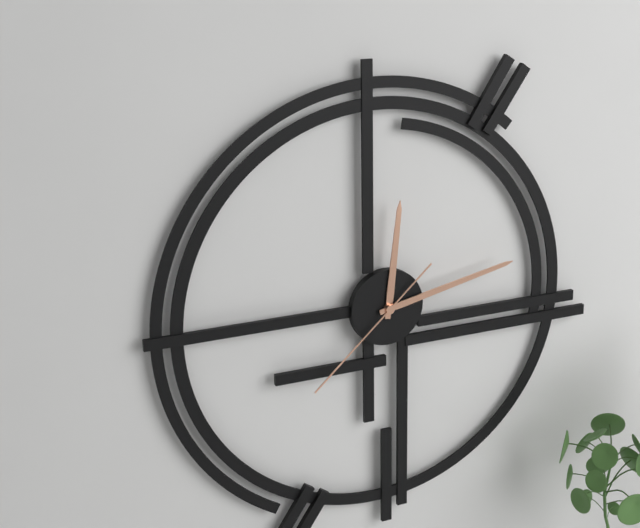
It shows 12 h 13 min 38 s
